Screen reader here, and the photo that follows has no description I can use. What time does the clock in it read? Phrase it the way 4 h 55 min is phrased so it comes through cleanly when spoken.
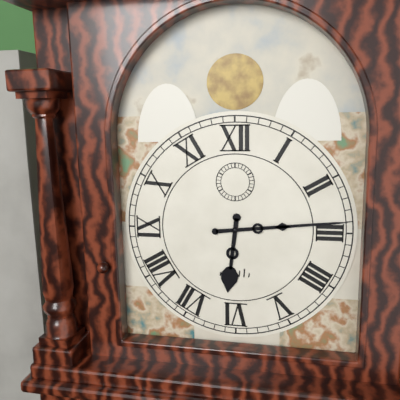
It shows 6 h 14 min
